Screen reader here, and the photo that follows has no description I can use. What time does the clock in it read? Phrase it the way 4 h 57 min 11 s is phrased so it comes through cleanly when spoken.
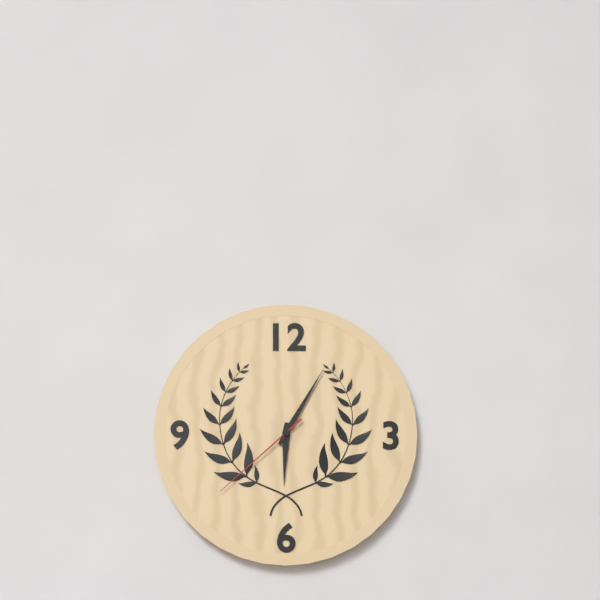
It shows 6 h 05 min 38 s
